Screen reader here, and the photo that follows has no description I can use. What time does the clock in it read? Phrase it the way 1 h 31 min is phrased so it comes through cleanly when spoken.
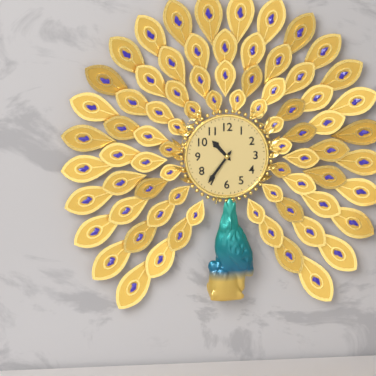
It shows 10 h 36 min
